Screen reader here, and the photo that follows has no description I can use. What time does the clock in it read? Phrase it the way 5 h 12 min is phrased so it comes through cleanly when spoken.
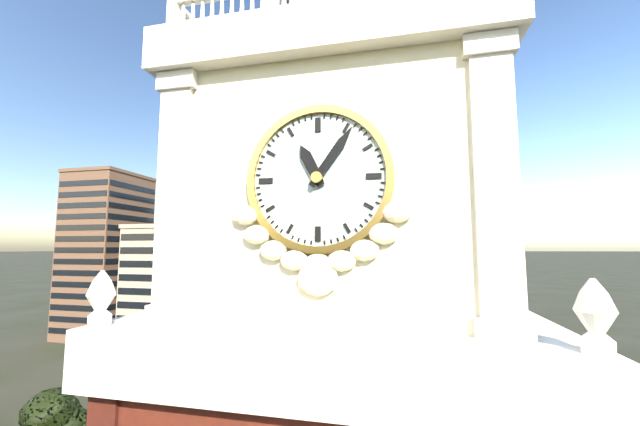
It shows 11 h 06 min
